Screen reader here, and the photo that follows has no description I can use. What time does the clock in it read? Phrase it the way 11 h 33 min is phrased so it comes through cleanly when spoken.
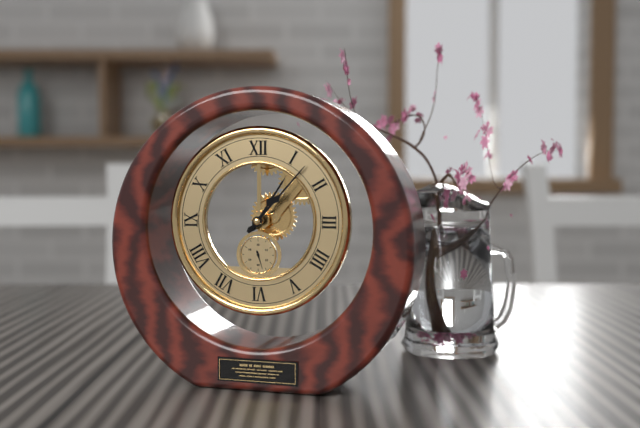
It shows 1 h 07 min
